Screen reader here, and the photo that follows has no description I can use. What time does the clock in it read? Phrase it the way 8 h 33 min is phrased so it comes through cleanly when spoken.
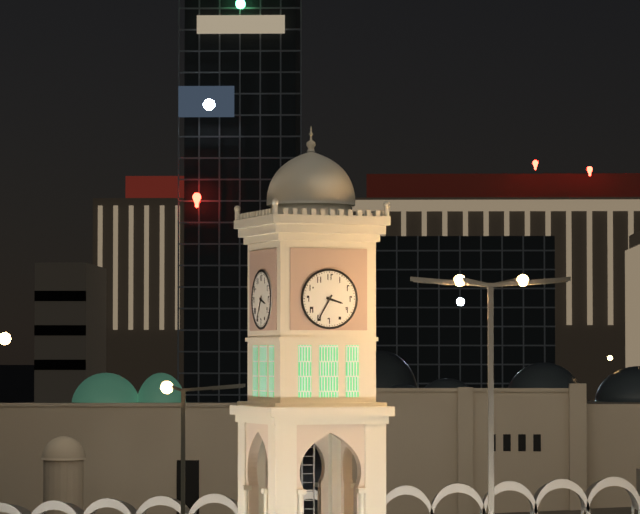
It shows 3 h 35 min
